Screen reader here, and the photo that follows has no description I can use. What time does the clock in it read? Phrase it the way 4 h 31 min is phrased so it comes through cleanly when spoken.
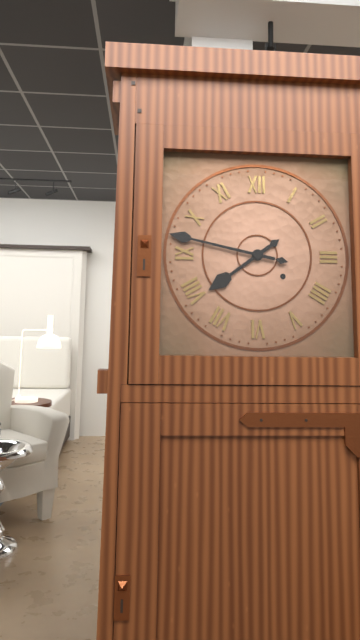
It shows 7 h 47 min
